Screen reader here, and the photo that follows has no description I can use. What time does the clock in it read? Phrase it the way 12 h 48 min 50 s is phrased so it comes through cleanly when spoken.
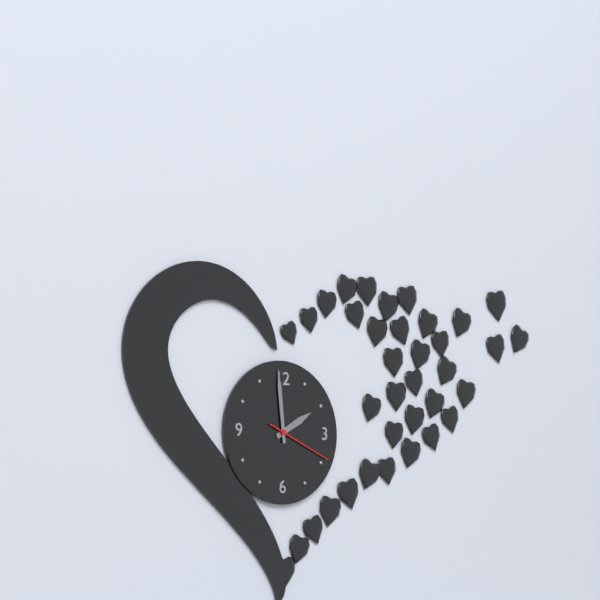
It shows 1 h 59 min 19 s
